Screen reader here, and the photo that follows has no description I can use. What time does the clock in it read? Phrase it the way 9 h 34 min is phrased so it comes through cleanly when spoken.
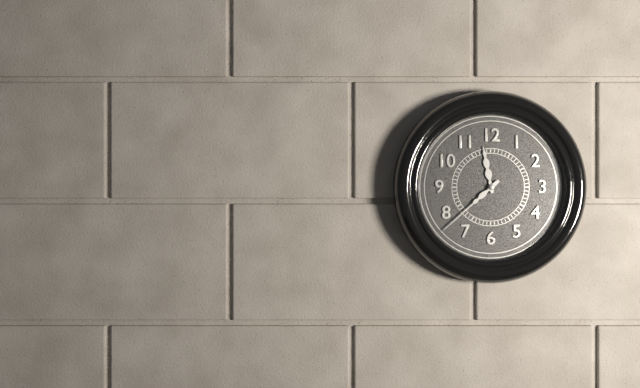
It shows 11 h 38 min
